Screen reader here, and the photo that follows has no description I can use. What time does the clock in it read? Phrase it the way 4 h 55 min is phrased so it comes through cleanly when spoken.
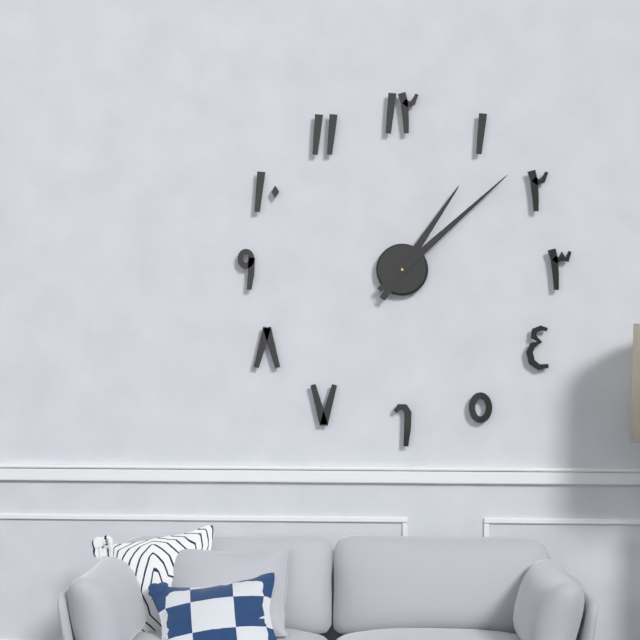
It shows 1 h 08 min
